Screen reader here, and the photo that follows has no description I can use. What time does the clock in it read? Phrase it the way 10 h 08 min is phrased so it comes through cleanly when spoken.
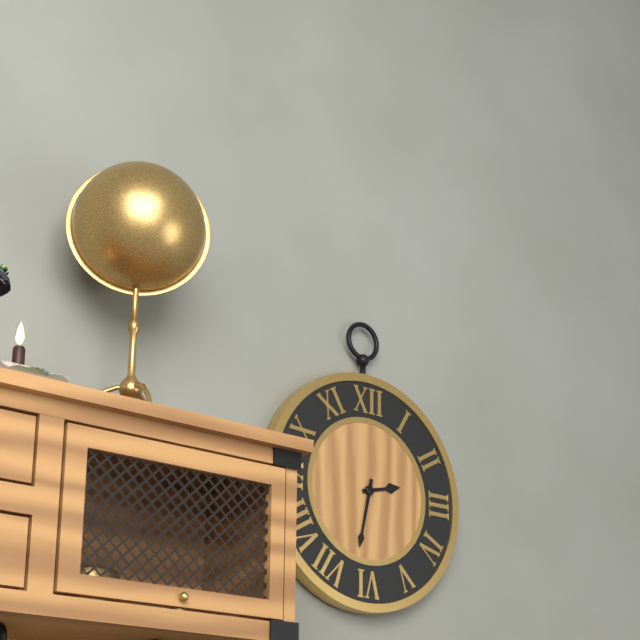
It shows 2 h 32 min
